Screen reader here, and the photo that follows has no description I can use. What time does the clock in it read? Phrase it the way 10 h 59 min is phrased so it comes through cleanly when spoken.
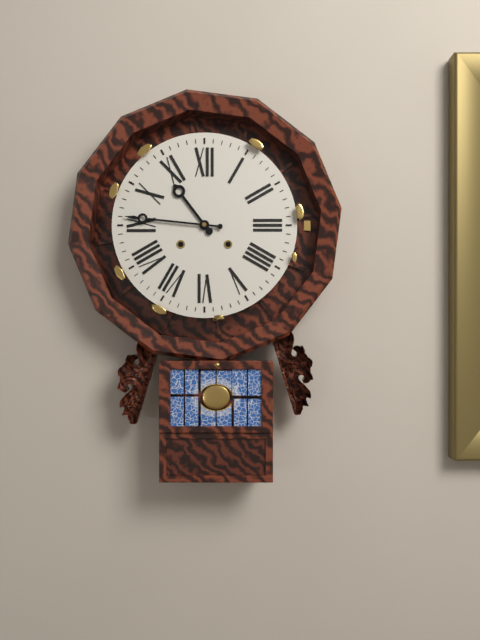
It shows 10 h 46 min
